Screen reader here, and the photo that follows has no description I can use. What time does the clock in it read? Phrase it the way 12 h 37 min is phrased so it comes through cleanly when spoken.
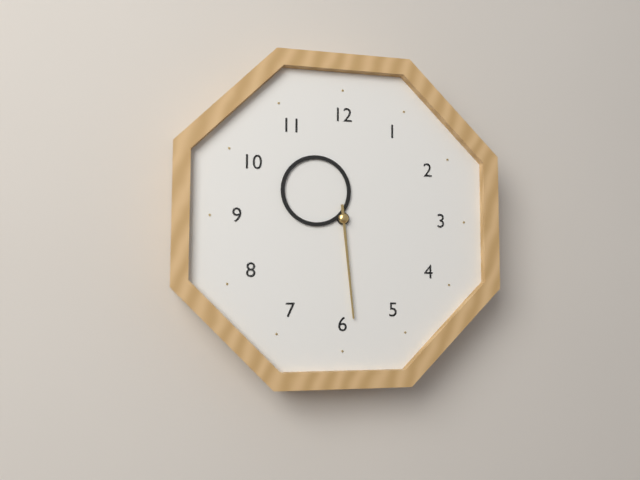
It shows 10 h 29 min
